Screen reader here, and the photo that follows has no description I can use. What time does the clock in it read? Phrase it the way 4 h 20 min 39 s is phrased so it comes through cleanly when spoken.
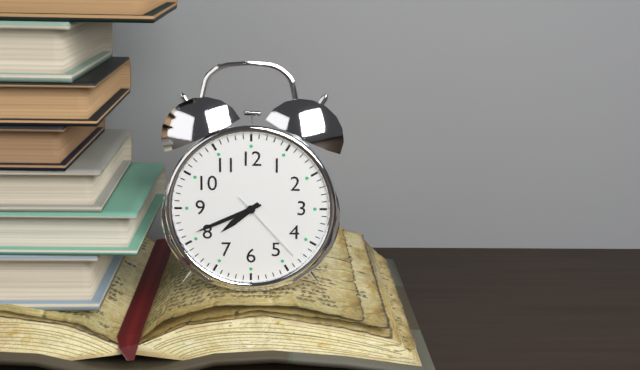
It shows 7 h 41 min 23 s
